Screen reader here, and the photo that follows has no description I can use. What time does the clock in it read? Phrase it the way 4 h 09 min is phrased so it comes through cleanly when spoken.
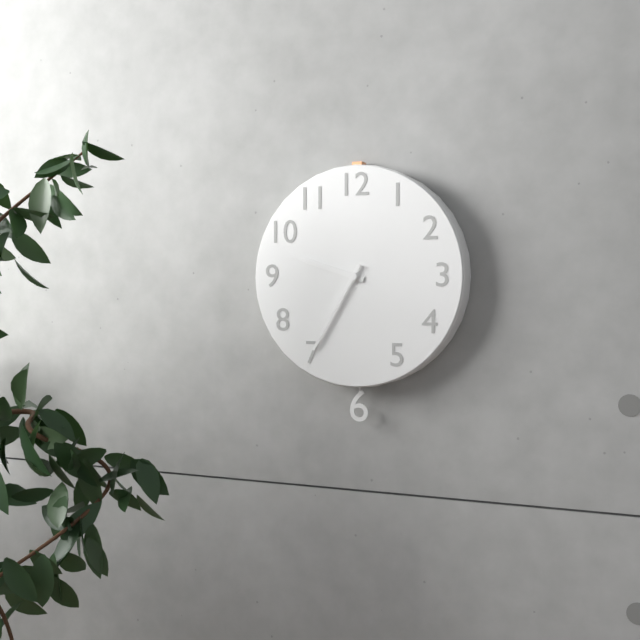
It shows 9 h 35 min
